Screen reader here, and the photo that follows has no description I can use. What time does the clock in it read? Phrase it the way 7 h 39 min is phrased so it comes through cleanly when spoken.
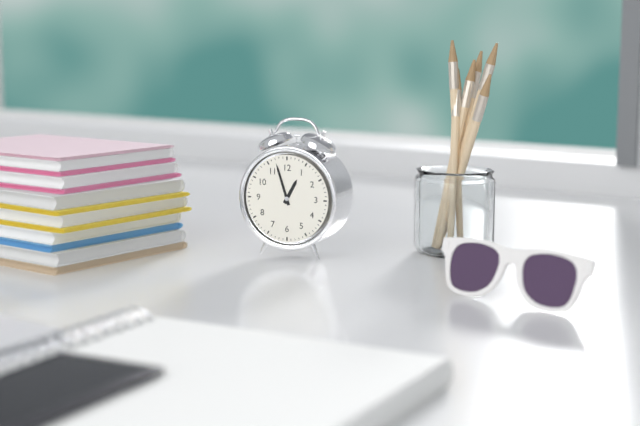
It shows 12 h 57 min
